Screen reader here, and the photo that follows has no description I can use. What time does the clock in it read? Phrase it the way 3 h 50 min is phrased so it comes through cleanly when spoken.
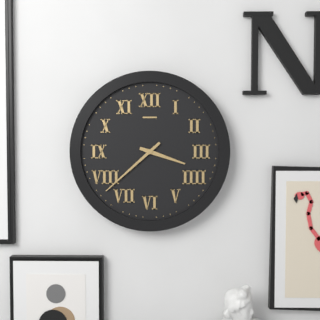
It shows 3 h 38 min
